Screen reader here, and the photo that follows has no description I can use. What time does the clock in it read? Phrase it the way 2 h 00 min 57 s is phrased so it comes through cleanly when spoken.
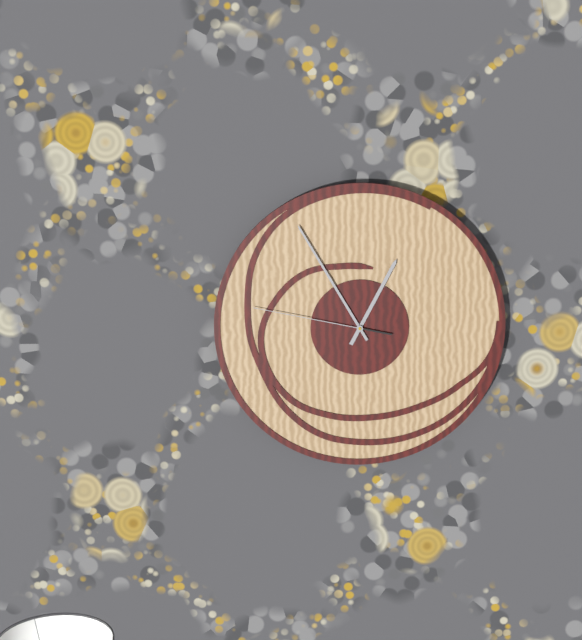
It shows 12 h 55 min 47 s
